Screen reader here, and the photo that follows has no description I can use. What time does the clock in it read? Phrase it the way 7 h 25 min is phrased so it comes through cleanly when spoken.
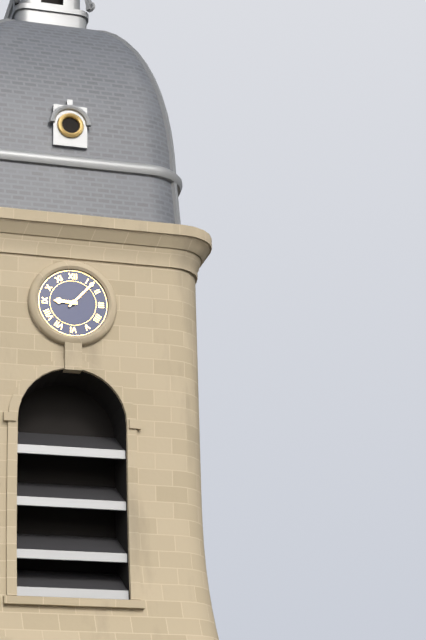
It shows 9 h 07 min
